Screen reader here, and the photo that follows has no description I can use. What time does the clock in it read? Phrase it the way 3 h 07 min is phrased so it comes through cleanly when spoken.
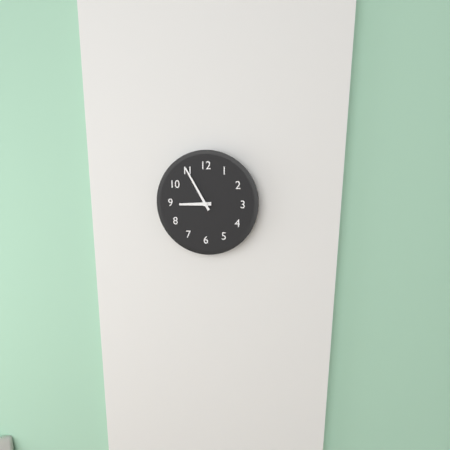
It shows 8 h 55 min
